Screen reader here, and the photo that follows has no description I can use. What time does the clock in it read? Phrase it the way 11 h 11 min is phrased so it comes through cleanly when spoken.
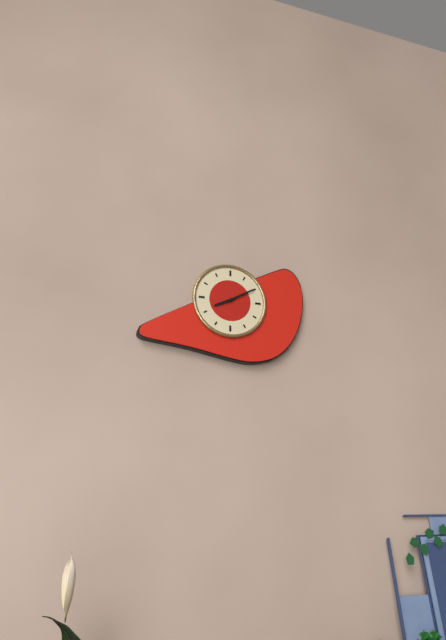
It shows 8 h 10 min
